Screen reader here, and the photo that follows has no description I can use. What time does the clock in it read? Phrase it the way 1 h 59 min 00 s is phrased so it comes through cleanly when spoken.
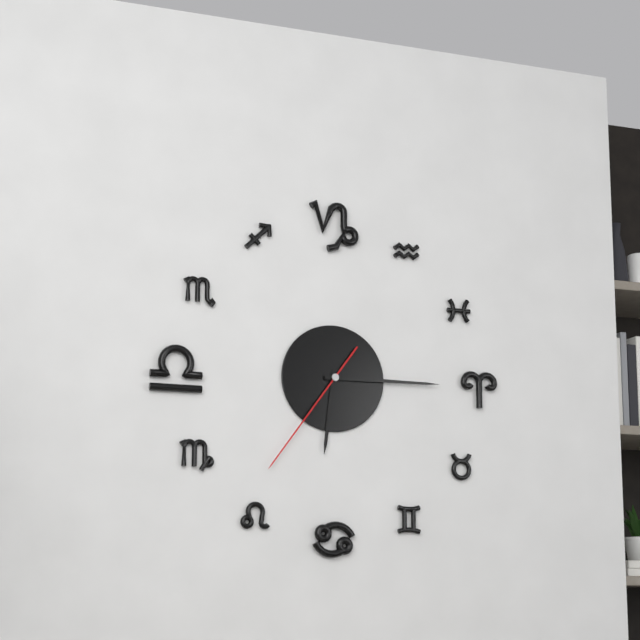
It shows 6 h 15 min 36 s
